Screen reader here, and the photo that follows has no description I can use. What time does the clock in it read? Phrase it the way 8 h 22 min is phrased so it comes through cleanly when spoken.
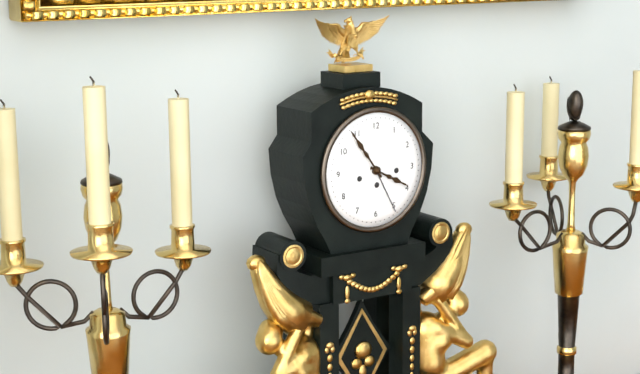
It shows 3 h 54 min
